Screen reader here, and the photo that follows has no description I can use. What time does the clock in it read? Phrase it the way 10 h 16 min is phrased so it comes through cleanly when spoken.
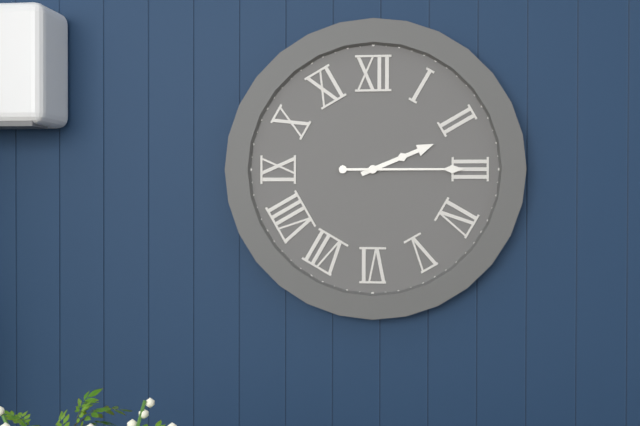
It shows 2 h 15 min
